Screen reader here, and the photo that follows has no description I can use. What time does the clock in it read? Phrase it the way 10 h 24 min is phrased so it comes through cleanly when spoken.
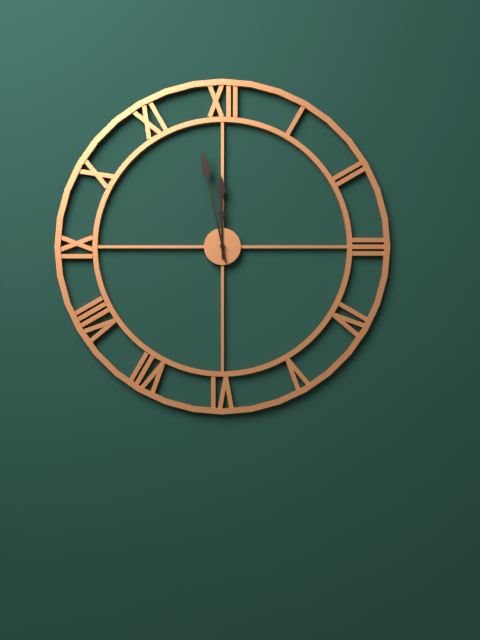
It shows 11 h 58 min
